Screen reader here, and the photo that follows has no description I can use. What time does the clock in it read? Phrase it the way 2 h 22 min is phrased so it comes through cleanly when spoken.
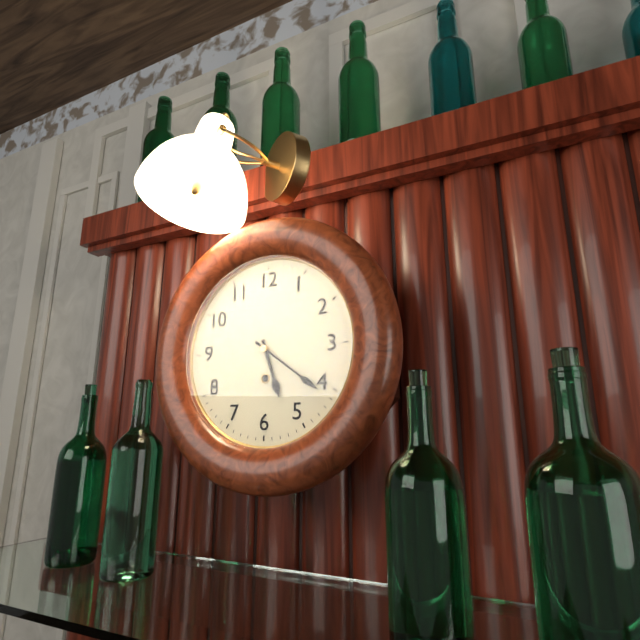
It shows 5 h 21 min
